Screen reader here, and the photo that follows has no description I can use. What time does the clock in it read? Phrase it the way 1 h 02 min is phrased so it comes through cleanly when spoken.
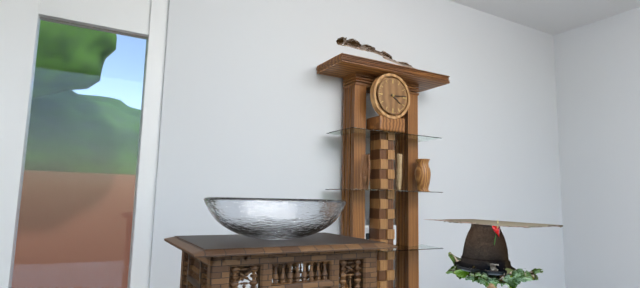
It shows 4 h 14 min
